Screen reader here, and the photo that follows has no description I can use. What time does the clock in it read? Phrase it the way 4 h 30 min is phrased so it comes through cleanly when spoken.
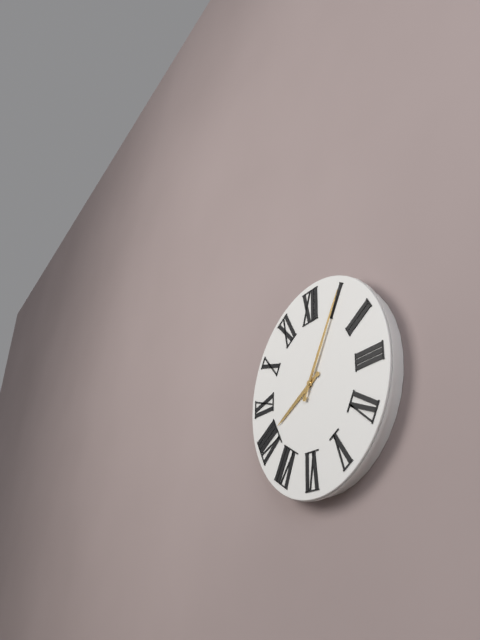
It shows 8 h 05 min
